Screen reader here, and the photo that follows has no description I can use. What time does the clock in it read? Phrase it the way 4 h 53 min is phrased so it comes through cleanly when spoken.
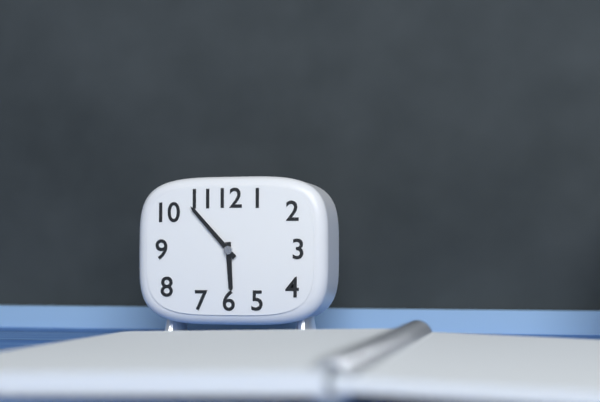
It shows 5 h 53 min
